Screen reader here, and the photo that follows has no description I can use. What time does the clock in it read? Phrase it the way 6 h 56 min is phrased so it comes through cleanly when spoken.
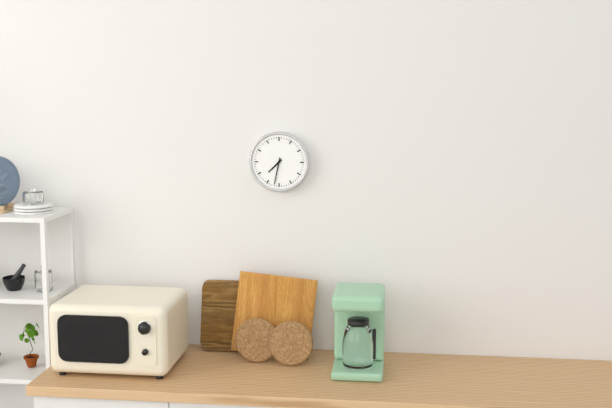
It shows 7 h 32 min
